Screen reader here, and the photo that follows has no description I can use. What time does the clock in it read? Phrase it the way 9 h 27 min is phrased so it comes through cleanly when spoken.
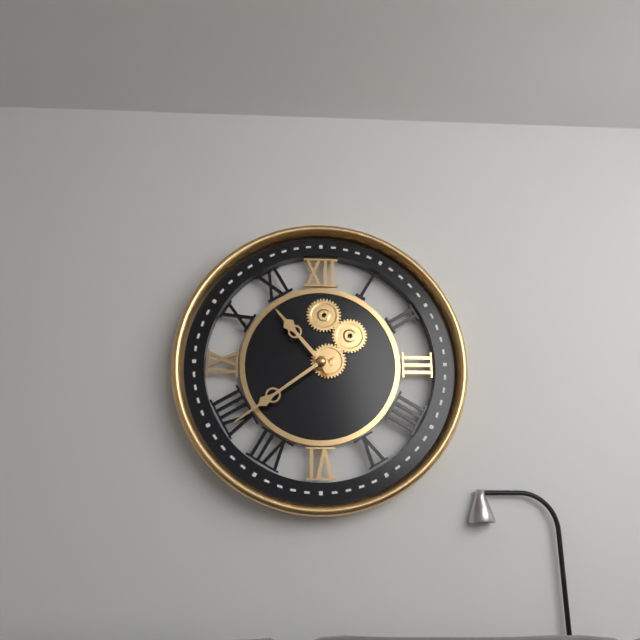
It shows 10 h 39 min
